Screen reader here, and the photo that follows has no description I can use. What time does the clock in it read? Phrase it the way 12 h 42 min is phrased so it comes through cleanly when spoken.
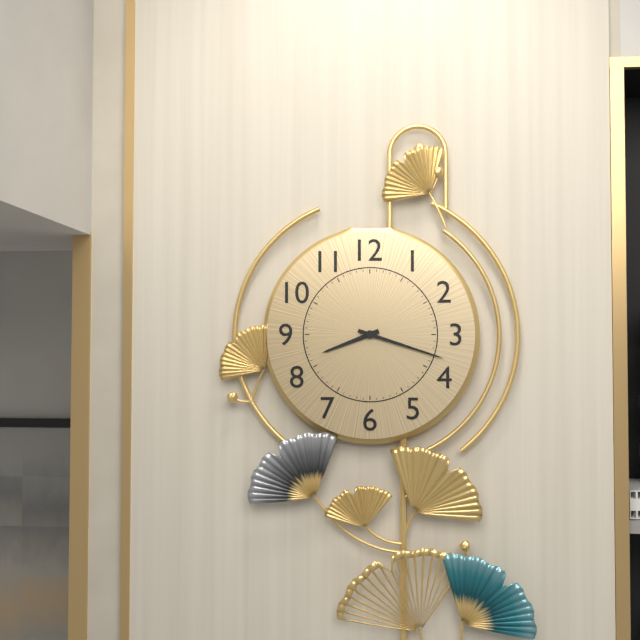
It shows 8 h 18 min
